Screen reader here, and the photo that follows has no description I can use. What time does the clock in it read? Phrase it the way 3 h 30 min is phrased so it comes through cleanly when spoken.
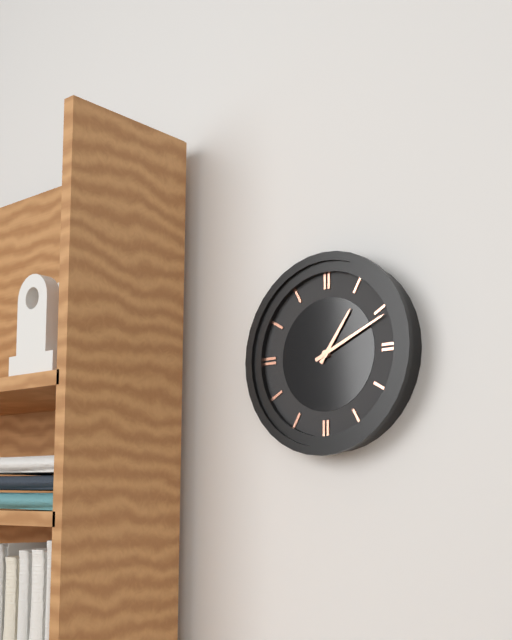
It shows 1 h 11 min
